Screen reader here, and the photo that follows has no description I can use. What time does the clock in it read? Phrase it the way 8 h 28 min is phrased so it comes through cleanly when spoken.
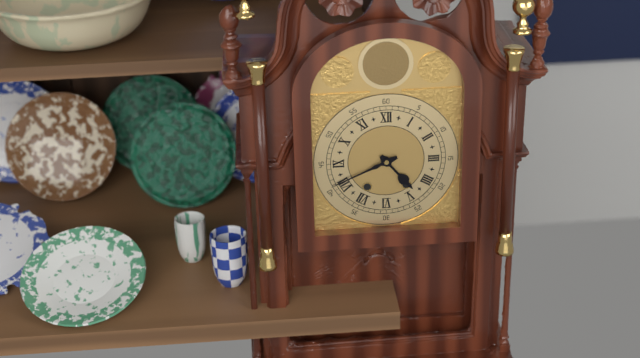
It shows 4 h 41 min
